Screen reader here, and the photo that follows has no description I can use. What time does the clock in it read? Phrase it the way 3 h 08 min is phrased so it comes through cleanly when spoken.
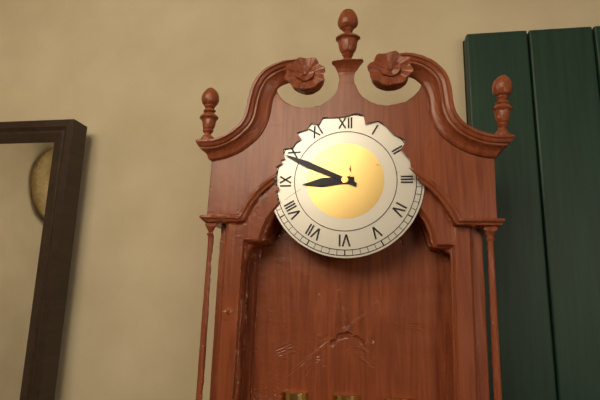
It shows 8 h 49 min
